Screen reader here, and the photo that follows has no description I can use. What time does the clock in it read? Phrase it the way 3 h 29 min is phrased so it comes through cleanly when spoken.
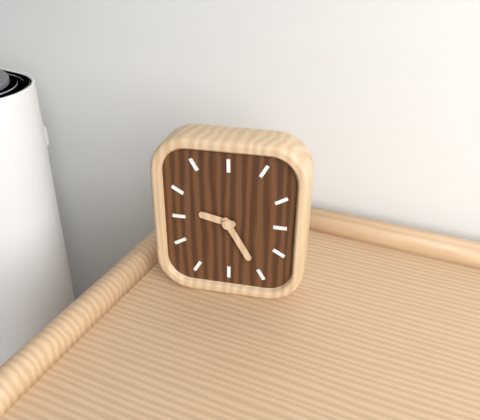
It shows 9 h 25 min
